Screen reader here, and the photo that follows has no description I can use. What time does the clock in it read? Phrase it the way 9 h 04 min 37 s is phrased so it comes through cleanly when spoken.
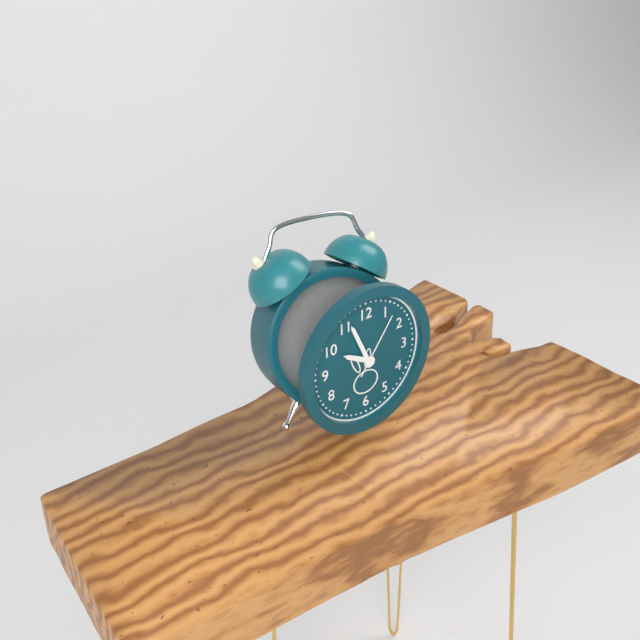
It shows 9 h 56 min 06 s
